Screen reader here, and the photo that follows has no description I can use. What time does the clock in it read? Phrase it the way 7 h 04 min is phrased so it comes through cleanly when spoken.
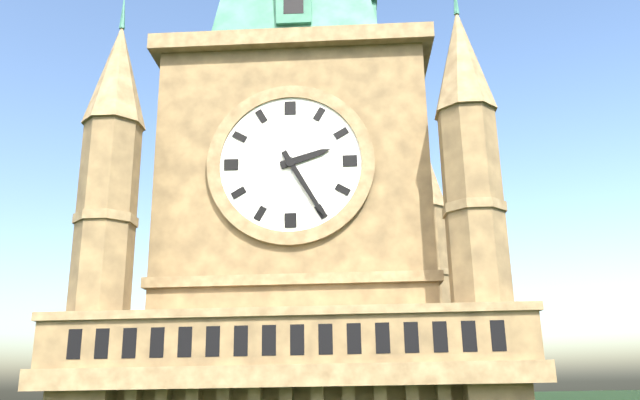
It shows 2 h 25 min
